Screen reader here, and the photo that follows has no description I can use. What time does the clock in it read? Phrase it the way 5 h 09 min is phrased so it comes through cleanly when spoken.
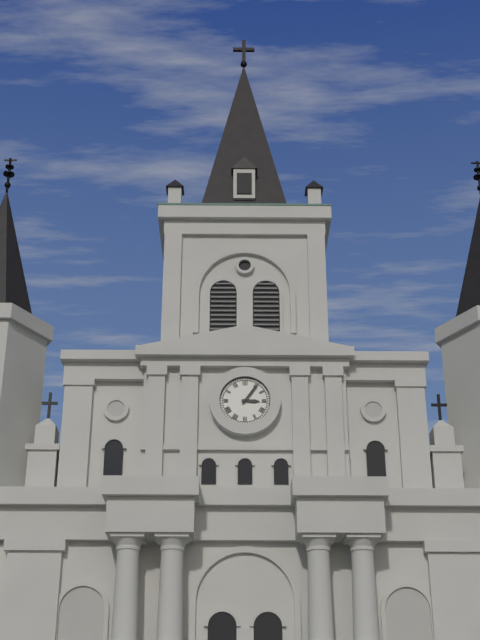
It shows 3 h 06 min
